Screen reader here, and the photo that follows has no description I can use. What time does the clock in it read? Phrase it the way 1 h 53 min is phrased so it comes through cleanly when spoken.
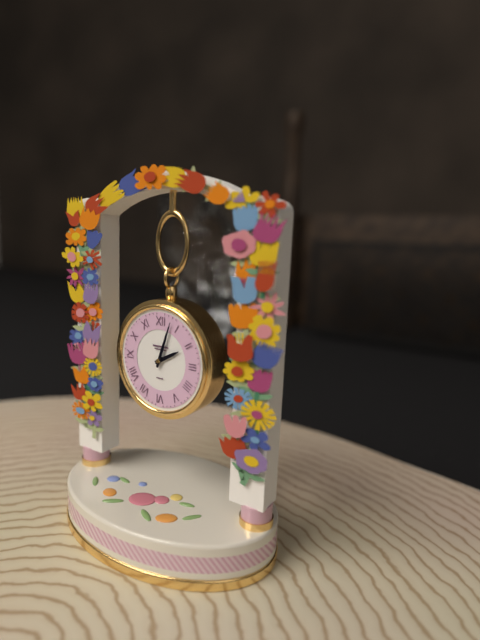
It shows 2 h 03 min
